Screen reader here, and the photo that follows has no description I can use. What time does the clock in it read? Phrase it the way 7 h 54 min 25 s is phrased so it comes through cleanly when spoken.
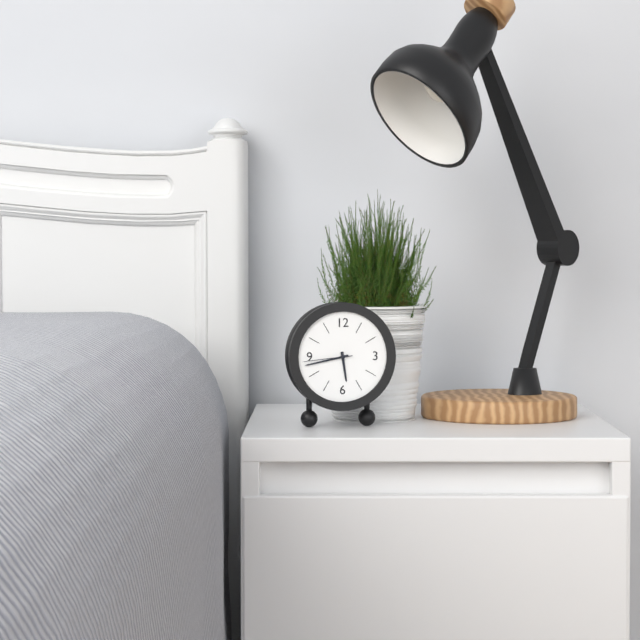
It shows 5 h 43 min 44 s
